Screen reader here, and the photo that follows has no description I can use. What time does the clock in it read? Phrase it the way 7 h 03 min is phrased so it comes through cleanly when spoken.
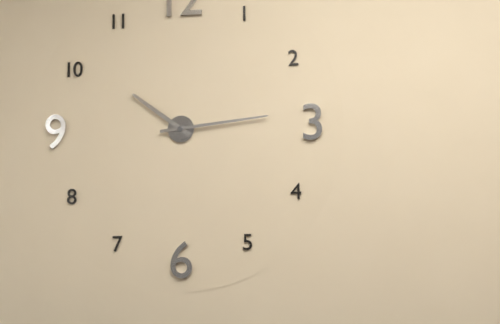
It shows 10 h 14 min
